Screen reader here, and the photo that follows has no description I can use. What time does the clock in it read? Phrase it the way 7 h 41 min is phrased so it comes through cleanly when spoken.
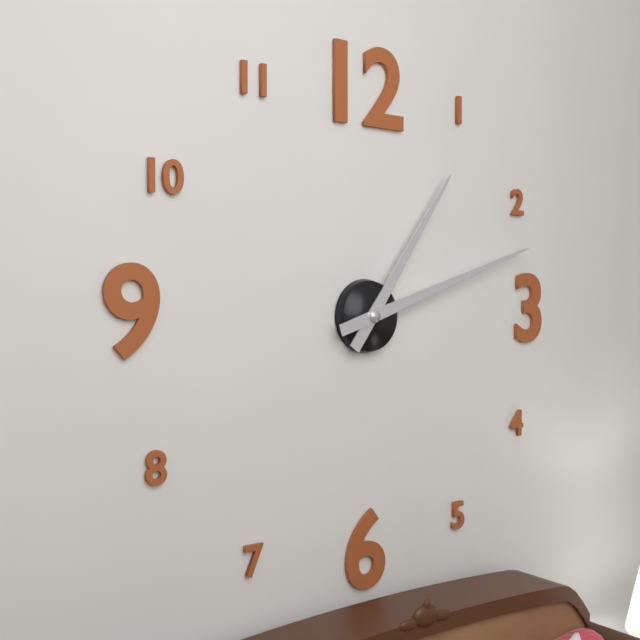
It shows 1 h 12 min
